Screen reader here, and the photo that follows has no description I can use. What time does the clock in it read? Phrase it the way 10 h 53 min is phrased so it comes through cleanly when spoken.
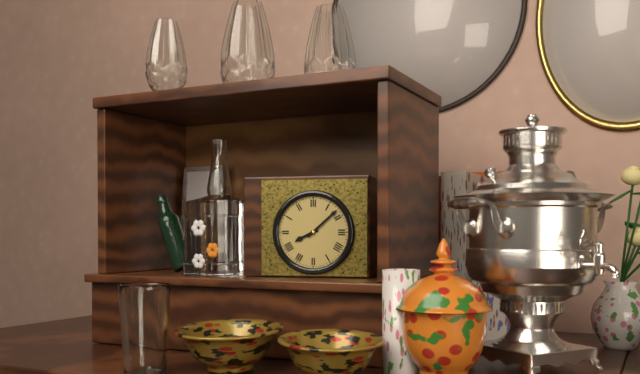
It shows 8 h 08 min
